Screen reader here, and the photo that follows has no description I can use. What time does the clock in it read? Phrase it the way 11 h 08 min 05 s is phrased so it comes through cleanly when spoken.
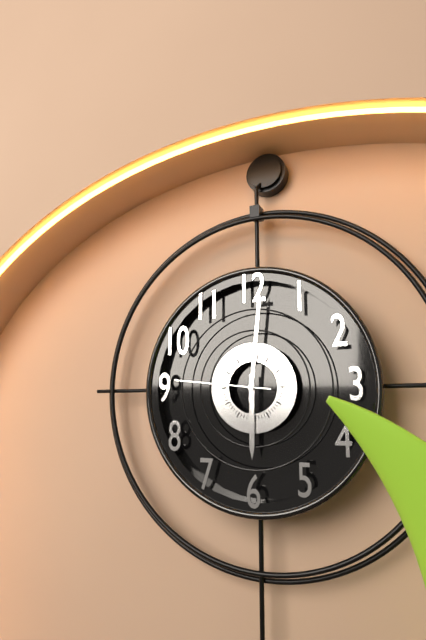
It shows 6 h 01 min 46 s
